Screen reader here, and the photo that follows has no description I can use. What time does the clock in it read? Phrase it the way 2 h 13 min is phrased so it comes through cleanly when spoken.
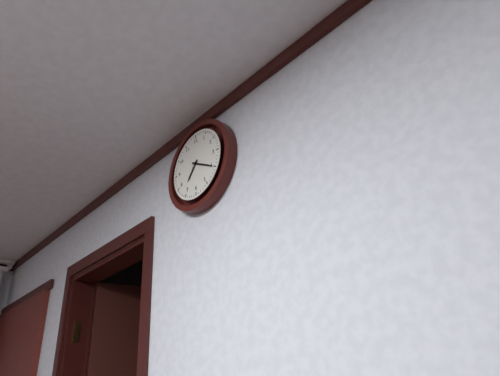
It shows 7 h 20 min
